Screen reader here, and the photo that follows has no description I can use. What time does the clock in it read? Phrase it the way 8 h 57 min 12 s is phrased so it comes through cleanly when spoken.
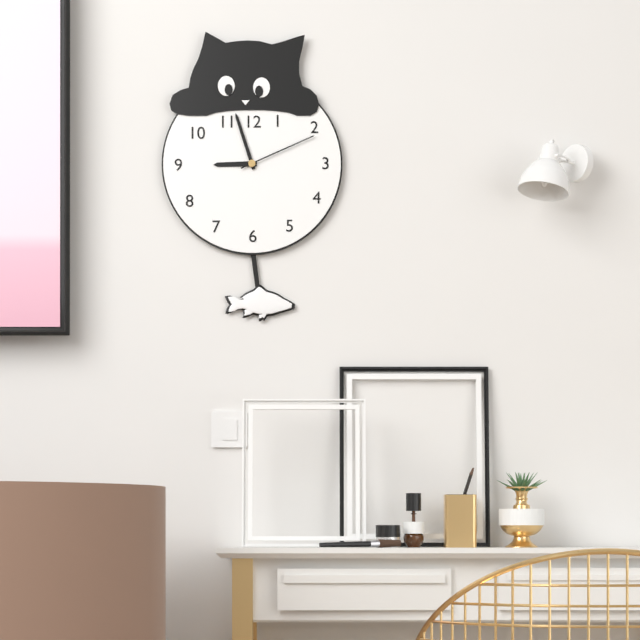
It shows 8 h 57 min 11 s
